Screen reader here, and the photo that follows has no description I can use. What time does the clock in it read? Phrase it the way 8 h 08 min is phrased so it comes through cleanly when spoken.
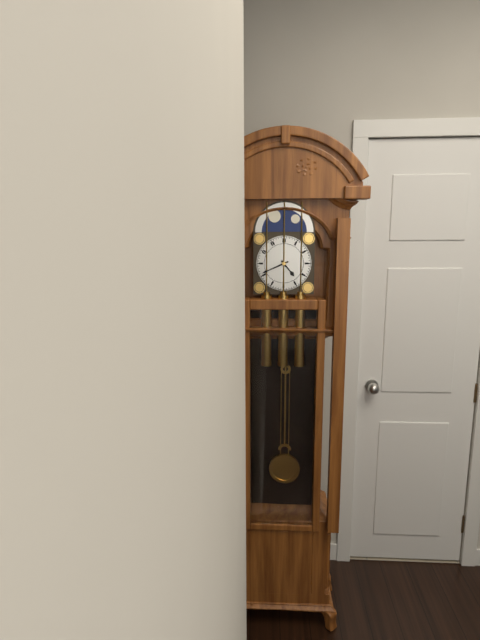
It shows 4 h 41 min
